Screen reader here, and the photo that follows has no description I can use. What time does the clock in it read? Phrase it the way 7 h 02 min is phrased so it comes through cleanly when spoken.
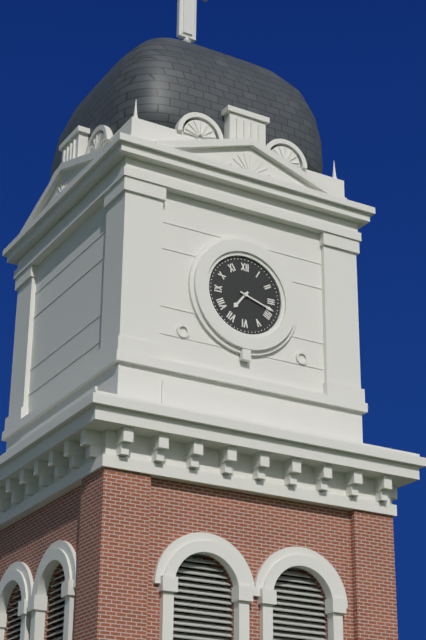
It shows 7 h 18 min
